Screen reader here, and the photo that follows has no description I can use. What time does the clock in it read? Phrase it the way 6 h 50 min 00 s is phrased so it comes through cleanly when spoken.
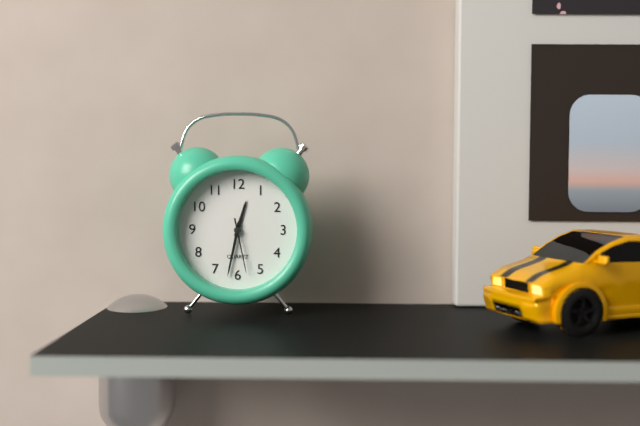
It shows 12 h 32 min 28 s
